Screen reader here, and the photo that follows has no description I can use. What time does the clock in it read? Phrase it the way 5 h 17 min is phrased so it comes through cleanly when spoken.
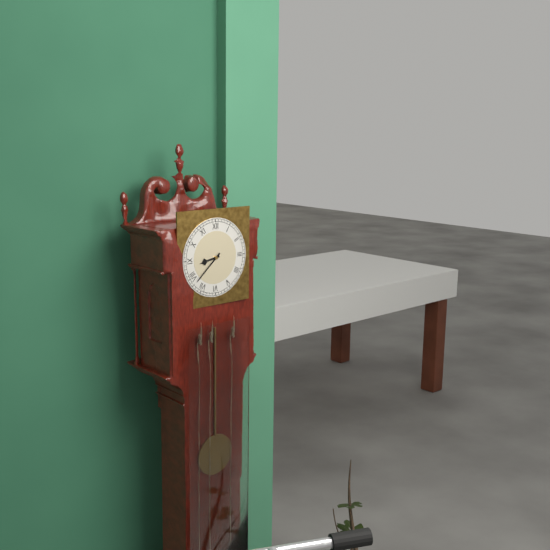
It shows 8 h 38 min
